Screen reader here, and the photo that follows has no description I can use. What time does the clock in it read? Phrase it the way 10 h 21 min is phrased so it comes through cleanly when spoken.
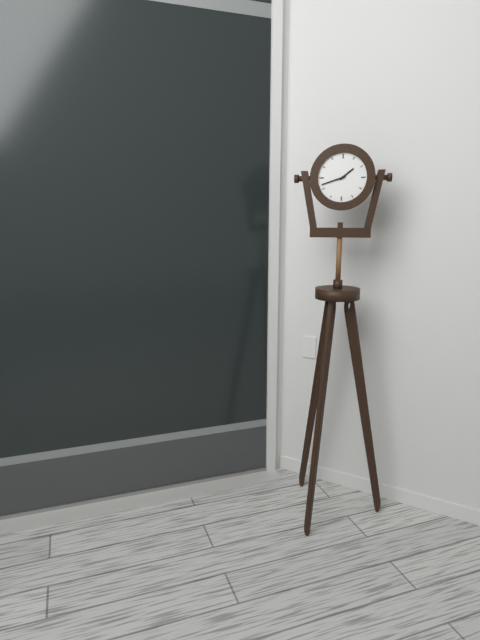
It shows 1 h 42 min
